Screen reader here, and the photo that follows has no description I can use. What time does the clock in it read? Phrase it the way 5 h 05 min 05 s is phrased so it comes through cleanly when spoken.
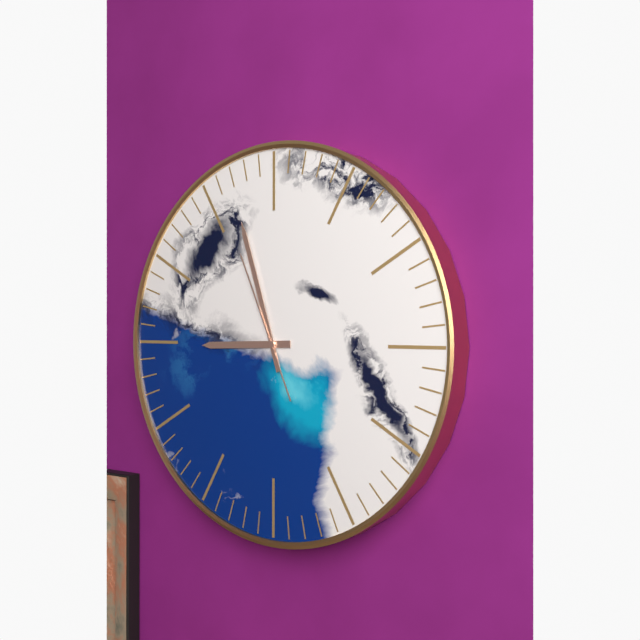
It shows 8 h 57 min 56 s
